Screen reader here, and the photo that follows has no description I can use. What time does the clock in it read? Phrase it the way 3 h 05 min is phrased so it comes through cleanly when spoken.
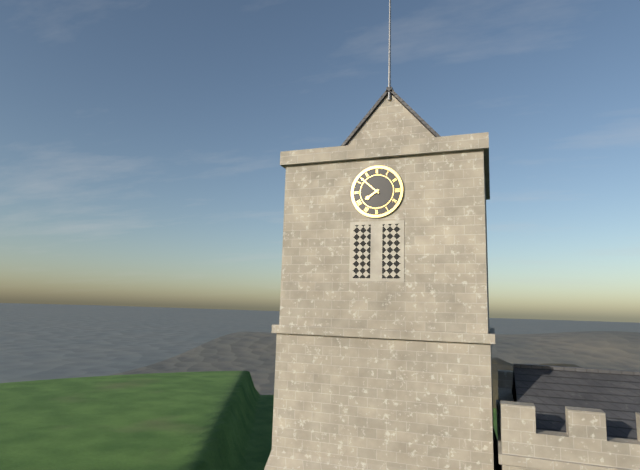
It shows 7 h 52 min
